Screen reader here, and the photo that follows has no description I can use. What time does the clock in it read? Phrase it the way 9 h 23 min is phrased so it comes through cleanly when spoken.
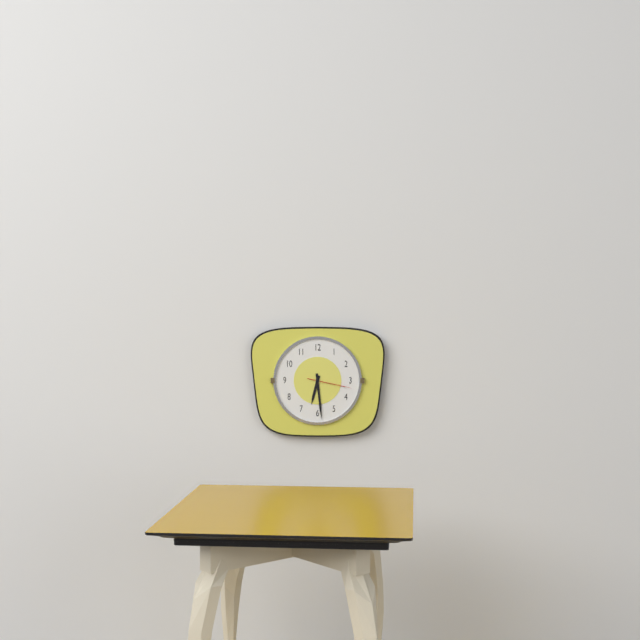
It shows 6 h 29 min
